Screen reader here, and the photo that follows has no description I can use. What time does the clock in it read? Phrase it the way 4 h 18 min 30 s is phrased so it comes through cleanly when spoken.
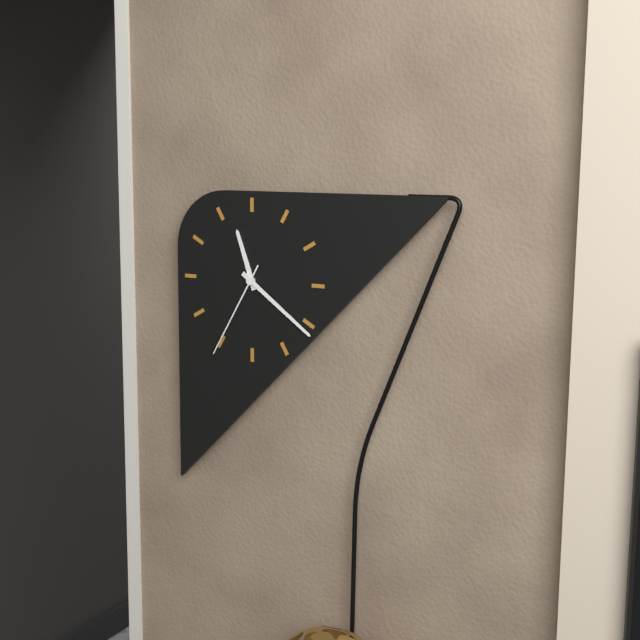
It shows 11 h 21 min 35 s
